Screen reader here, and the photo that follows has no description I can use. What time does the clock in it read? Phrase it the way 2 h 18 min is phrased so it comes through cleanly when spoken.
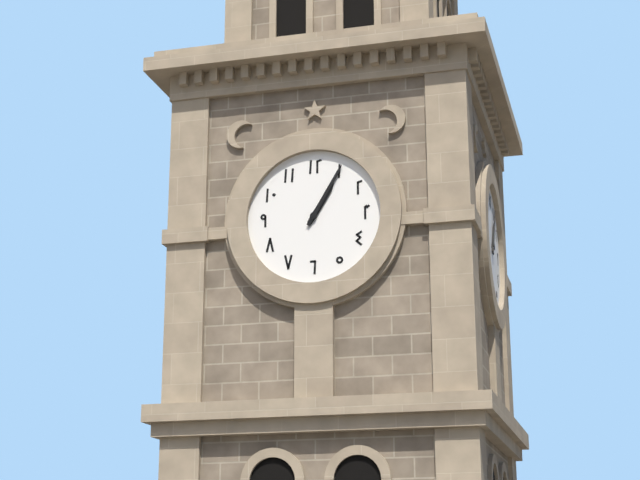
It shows 1 h 05 min
